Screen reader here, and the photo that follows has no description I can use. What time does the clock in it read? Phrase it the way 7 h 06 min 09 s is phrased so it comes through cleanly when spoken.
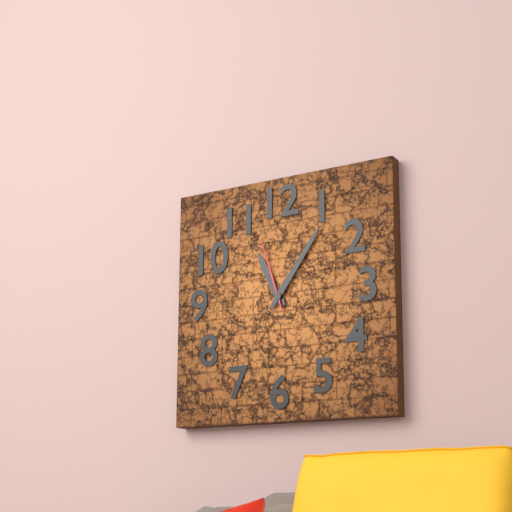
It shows 11 h 06 min 57 s
